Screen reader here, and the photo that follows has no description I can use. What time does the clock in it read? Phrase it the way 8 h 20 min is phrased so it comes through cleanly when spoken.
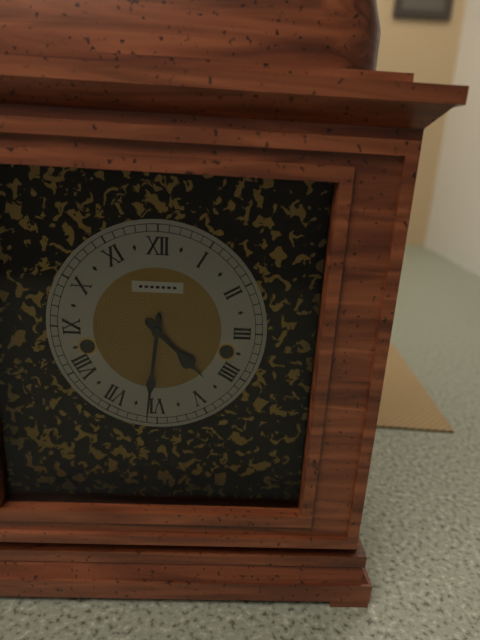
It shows 4 h 31 min
